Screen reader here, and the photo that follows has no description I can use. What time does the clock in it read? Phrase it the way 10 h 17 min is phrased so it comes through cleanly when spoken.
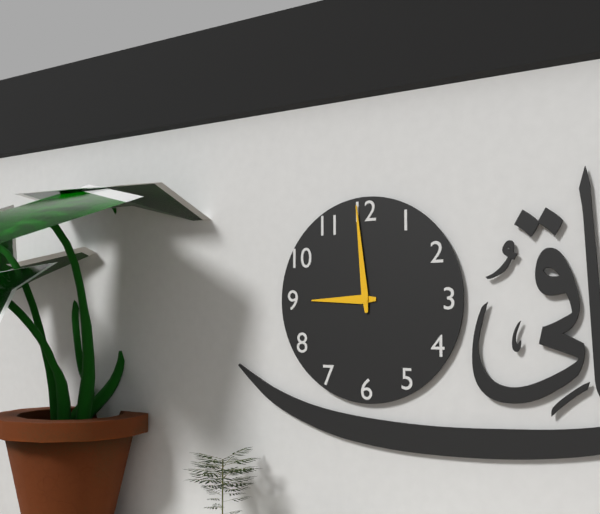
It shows 8 h 59 min
